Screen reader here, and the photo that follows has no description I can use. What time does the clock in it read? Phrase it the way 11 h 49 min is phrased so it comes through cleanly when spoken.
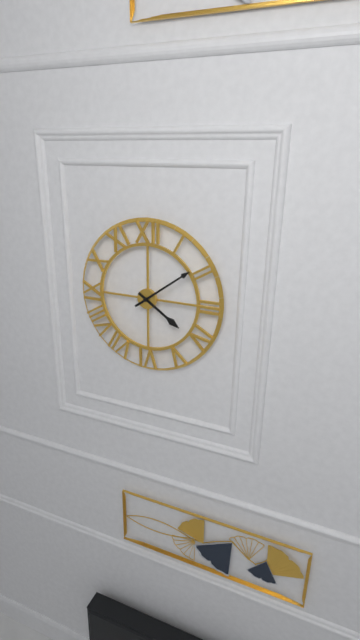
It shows 4 h 09 min
